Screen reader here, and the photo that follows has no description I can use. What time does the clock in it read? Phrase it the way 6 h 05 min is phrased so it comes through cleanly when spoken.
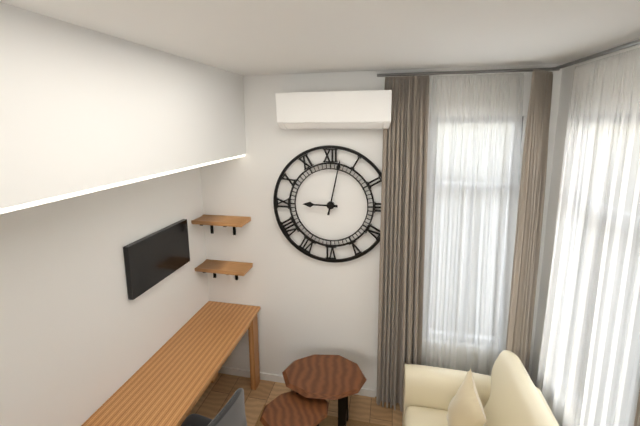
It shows 9 h 02 min
